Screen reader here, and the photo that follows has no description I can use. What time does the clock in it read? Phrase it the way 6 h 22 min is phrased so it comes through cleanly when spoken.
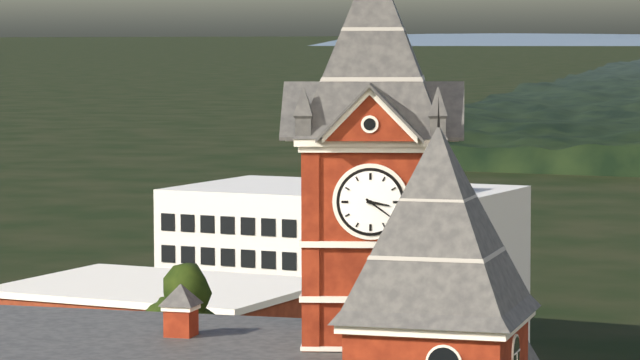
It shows 3 h 21 min
